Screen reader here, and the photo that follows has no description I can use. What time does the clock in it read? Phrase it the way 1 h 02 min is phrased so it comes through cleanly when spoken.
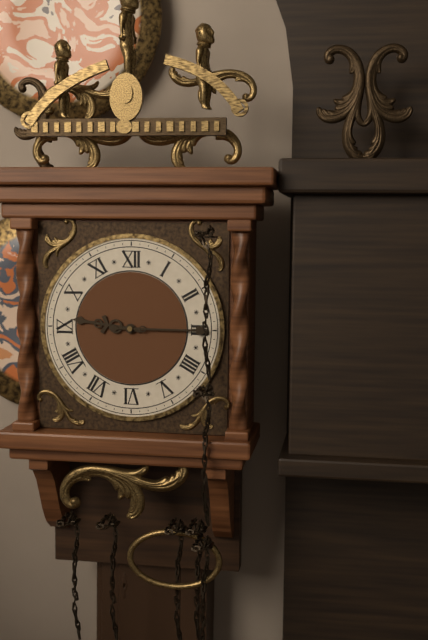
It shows 9 h 15 min
